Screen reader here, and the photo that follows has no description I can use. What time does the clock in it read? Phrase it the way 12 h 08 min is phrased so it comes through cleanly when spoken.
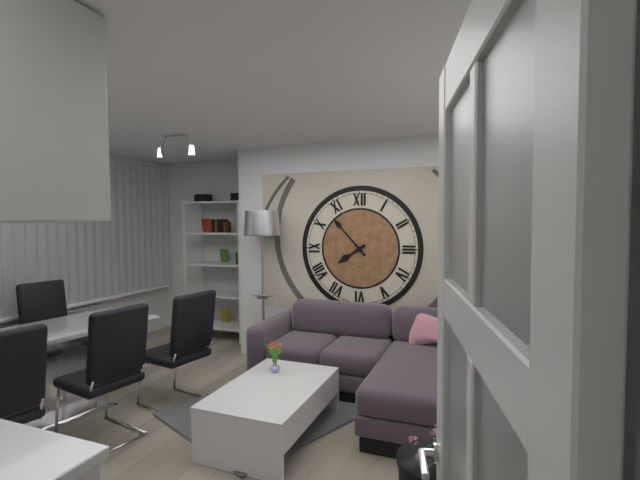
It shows 7 h 53 min
